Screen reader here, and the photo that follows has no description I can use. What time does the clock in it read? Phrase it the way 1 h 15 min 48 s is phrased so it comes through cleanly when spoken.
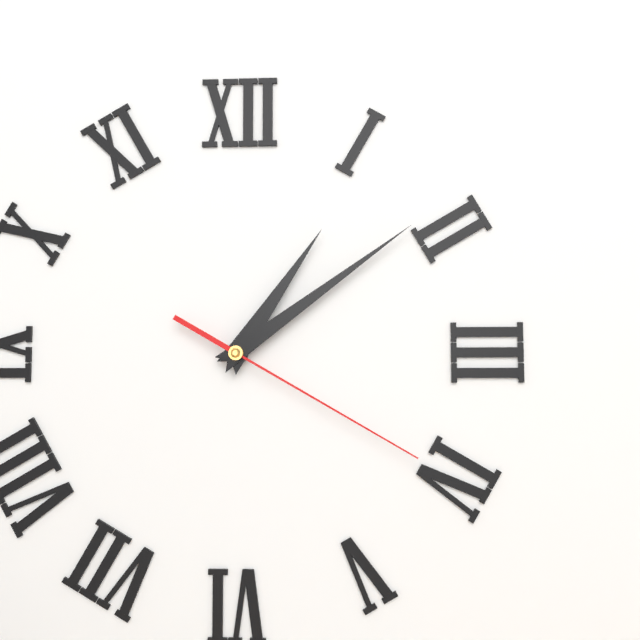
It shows 1 h 09 min 20 s
